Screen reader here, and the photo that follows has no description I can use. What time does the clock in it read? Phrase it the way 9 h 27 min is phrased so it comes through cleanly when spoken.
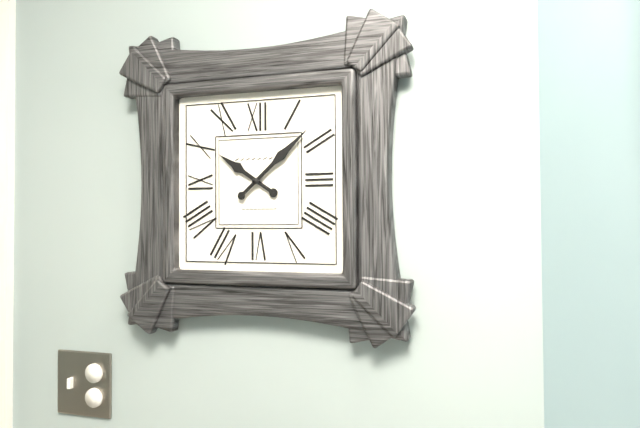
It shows 10 h 08 min
